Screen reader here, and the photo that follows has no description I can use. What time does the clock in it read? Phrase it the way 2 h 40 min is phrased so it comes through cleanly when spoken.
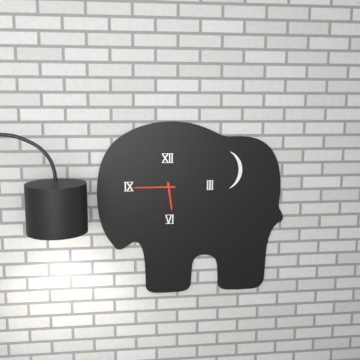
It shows 5 h 45 min
